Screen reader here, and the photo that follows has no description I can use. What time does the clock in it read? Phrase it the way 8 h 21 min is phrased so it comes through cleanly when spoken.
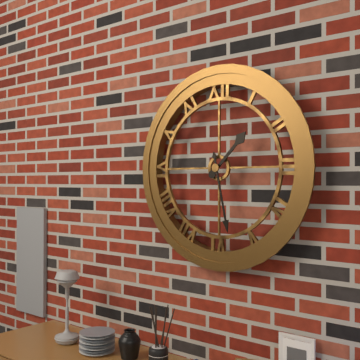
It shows 1 h 28 min
